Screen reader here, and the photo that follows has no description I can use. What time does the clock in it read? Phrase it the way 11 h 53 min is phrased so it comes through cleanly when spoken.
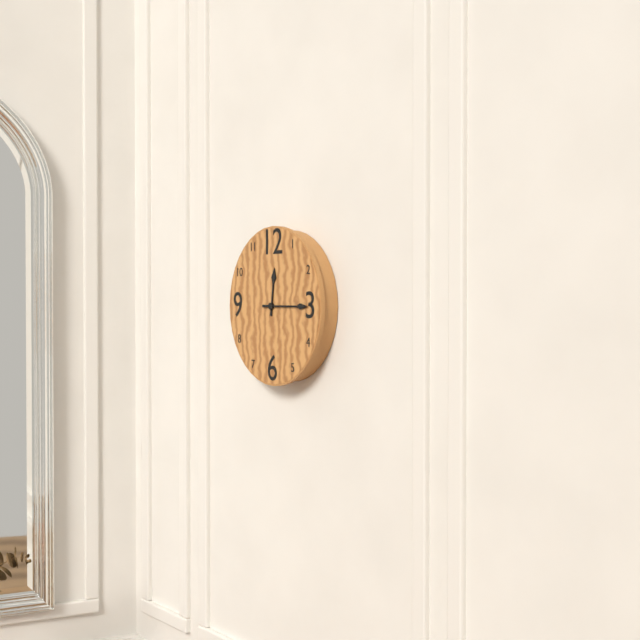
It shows 12 h 15 min
